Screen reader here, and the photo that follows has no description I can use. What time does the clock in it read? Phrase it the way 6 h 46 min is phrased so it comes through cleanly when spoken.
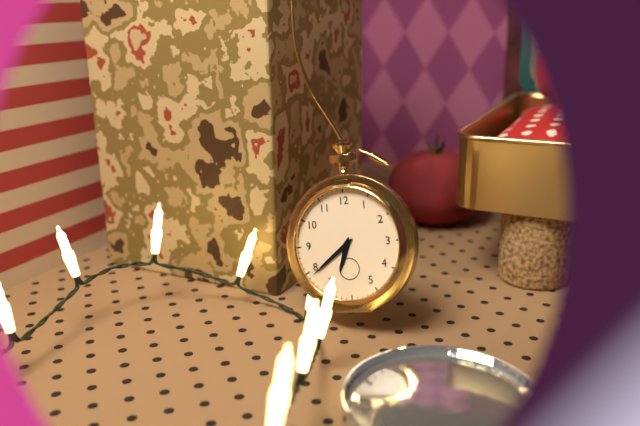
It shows 6 h 39 min
